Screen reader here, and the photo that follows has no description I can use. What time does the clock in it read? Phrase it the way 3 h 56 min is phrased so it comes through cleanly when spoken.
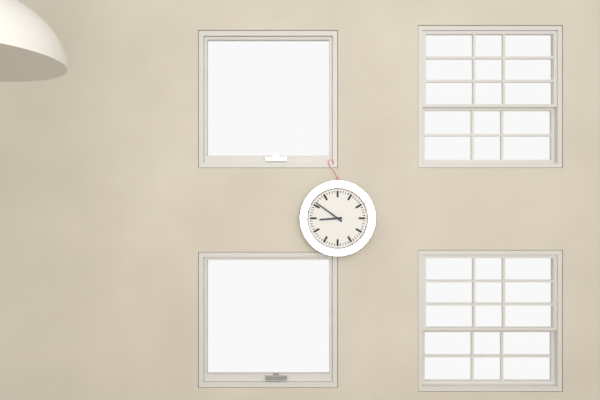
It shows 8 h 51 min
